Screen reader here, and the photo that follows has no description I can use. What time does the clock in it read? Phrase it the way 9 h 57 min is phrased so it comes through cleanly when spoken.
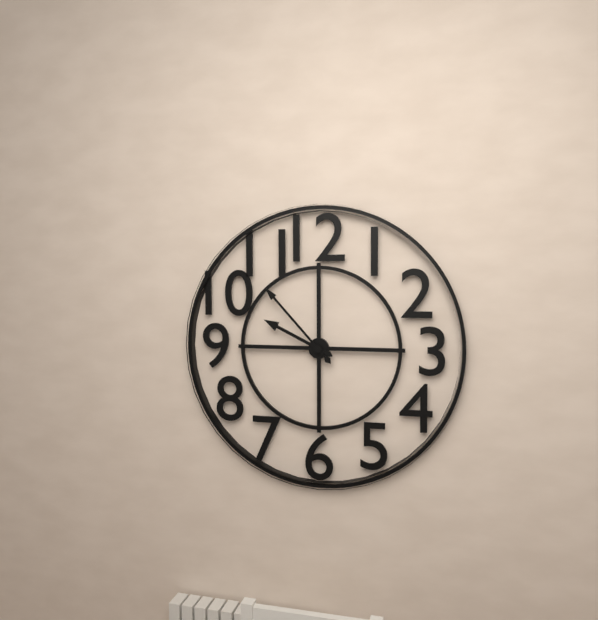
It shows 9 h 53 min
